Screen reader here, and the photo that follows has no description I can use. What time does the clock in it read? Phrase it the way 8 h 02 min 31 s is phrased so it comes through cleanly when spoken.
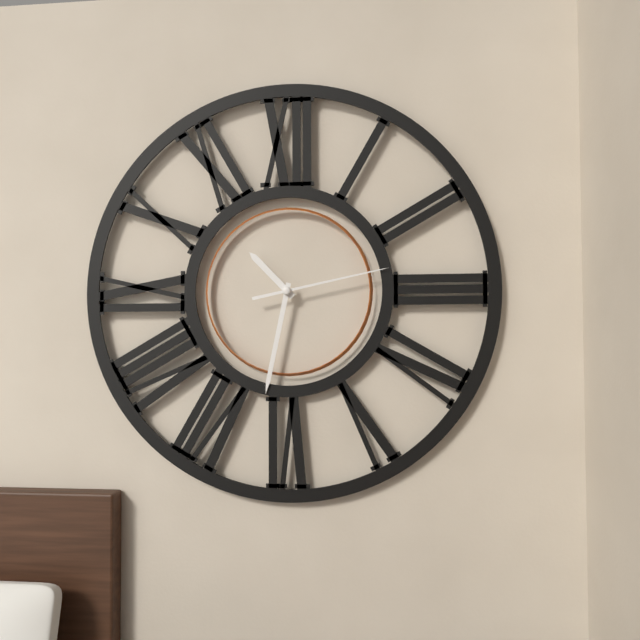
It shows 10 h 32 min 13 s
